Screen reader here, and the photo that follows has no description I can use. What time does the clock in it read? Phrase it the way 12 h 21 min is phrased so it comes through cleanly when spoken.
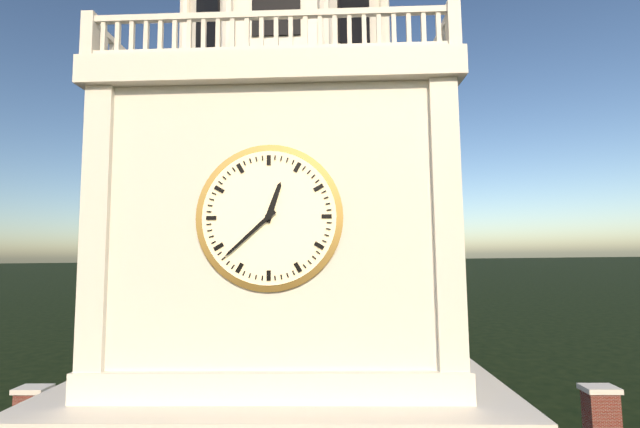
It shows 12 h 38 min
